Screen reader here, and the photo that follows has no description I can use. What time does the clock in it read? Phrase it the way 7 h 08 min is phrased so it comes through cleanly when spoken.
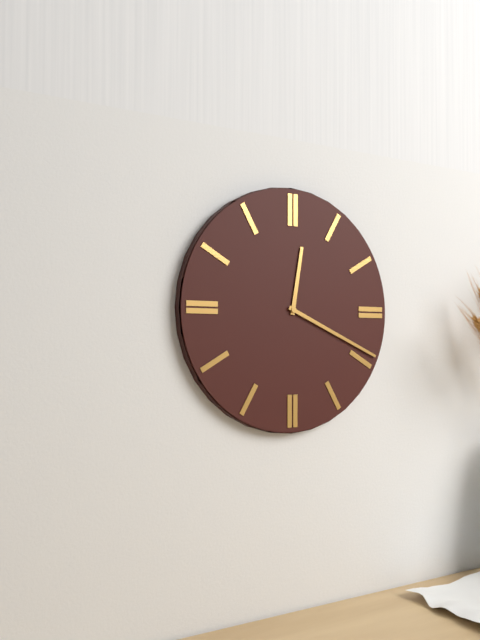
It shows 12 h 19 min
